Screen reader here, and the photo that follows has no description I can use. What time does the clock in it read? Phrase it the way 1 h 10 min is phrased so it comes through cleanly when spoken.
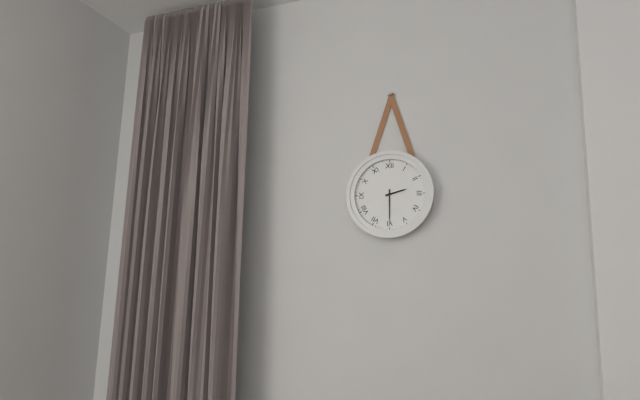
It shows 2 h 30 min
